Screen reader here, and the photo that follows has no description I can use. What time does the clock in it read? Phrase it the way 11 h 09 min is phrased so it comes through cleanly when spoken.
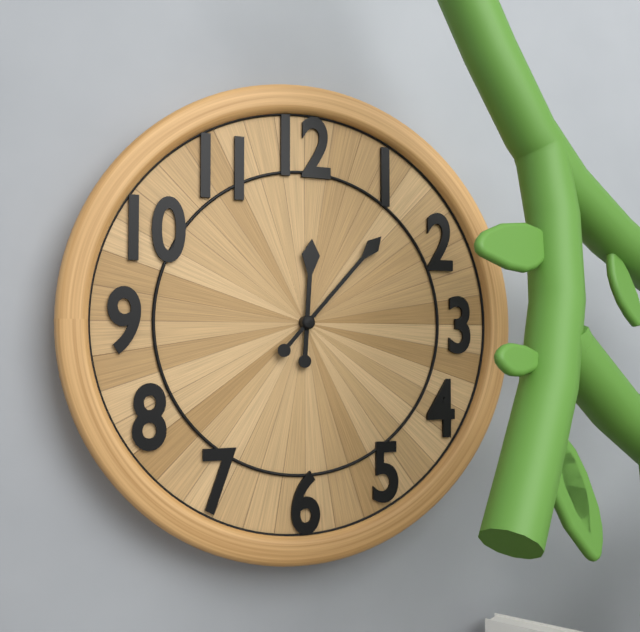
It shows 12 h 07 min
